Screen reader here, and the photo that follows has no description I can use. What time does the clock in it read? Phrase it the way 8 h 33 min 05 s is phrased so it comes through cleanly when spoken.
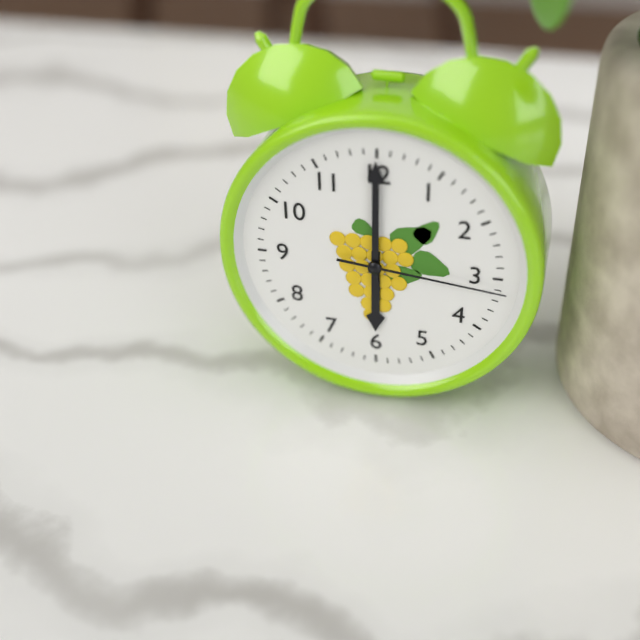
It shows 6 h 00 min 16 s
